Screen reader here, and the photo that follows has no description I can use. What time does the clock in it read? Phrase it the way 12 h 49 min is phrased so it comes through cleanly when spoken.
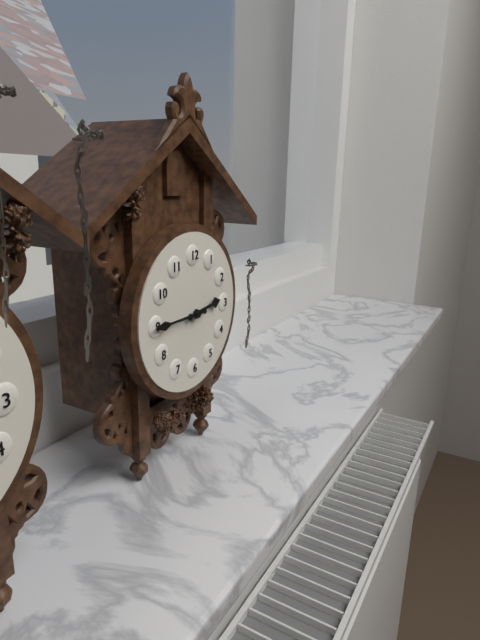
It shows 2 h 45 min
